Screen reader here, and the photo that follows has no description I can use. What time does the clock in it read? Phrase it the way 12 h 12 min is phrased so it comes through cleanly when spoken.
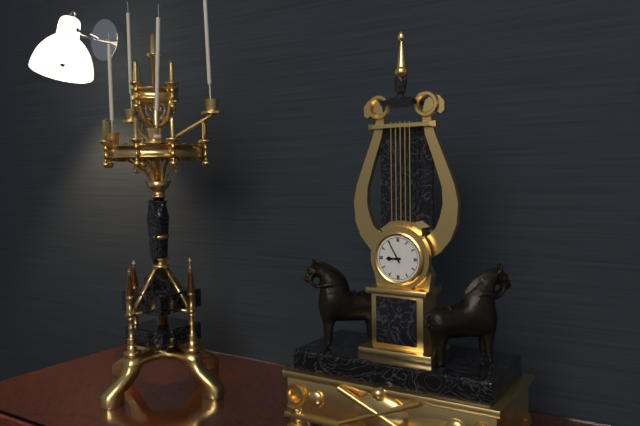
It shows 8 h 55 min
